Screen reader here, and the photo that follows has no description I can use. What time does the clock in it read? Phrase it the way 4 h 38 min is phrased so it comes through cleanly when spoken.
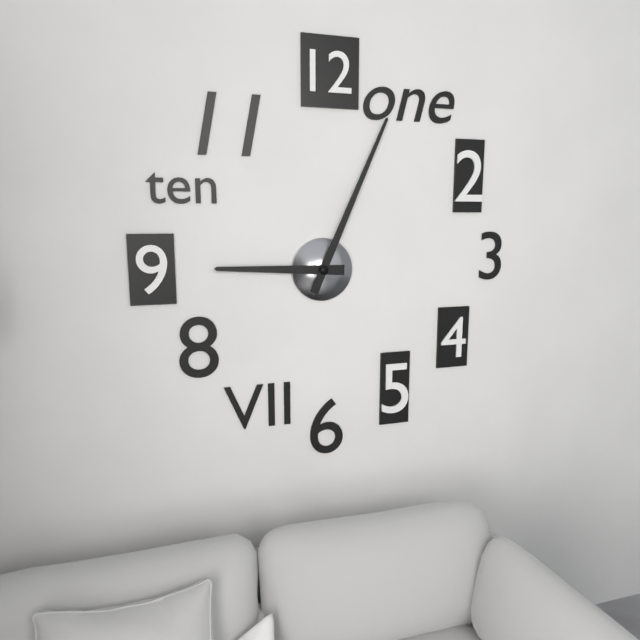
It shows 9 h 04 min
